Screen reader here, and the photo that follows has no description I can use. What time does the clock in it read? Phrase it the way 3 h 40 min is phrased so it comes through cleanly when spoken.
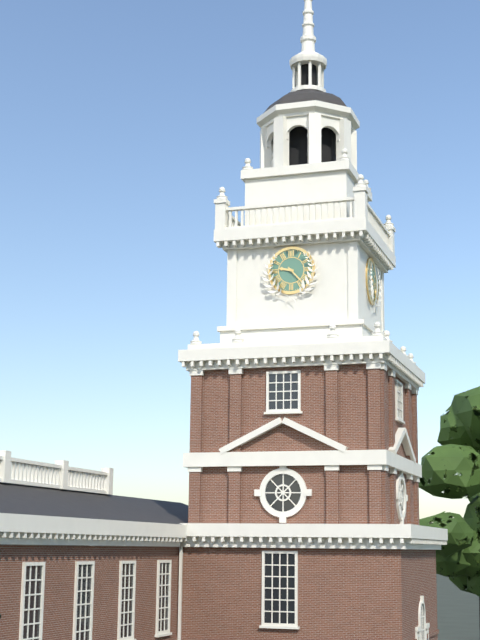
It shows 9 h 23 min
